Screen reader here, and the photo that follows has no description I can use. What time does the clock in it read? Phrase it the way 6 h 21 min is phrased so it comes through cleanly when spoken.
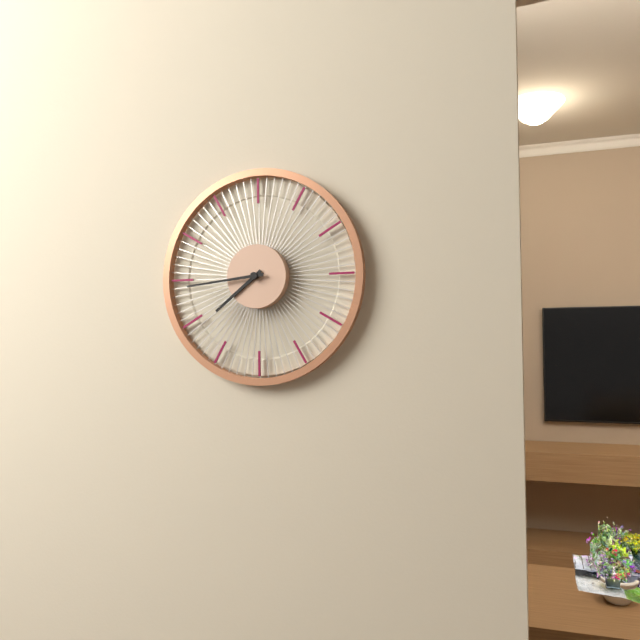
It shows 7 h 44 min
